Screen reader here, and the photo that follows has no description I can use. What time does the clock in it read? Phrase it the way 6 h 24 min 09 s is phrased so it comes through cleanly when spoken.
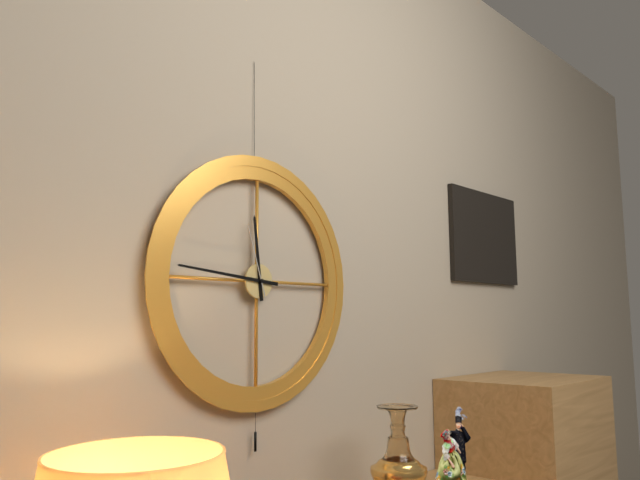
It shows 11 h 46 min 57 s
